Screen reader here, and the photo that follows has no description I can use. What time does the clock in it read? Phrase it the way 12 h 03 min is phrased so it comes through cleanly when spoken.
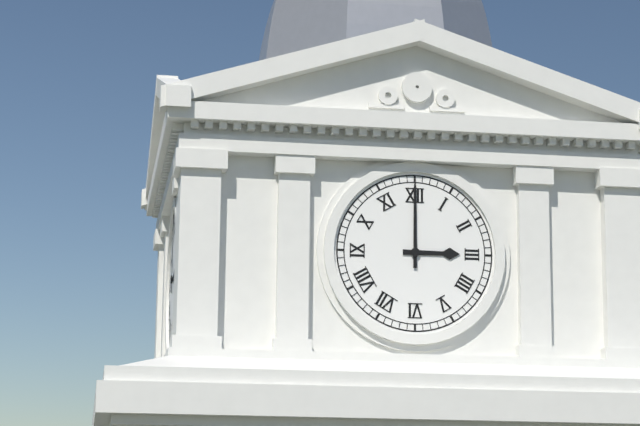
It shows 3 h 00 min
